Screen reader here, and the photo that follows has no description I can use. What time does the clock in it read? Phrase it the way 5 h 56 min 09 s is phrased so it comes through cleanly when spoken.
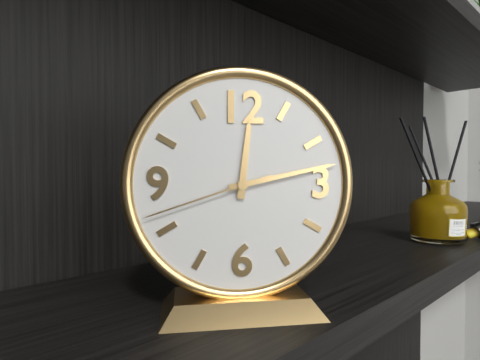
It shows 12 h 13 min 42 s
